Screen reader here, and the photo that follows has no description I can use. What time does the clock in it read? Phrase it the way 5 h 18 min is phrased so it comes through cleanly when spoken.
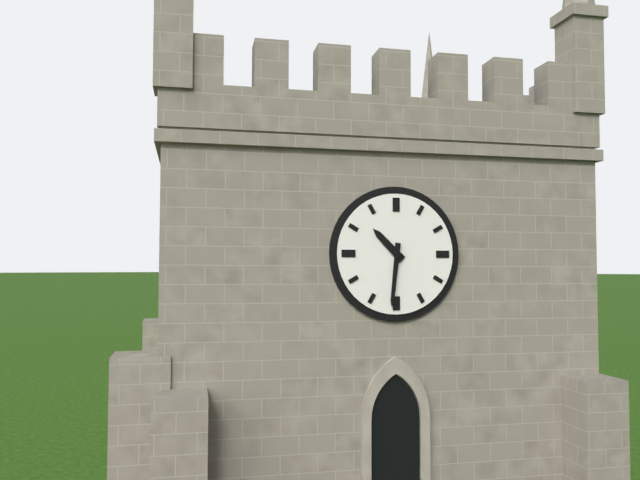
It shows 10 h 31 min
